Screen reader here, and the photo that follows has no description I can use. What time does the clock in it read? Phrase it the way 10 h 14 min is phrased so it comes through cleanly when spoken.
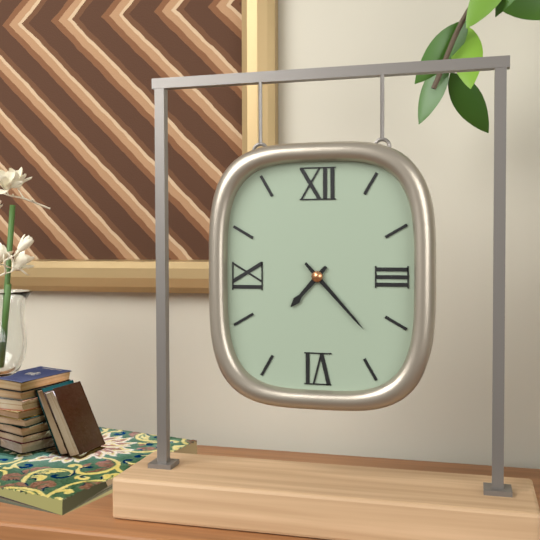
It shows 7 h 23 min
